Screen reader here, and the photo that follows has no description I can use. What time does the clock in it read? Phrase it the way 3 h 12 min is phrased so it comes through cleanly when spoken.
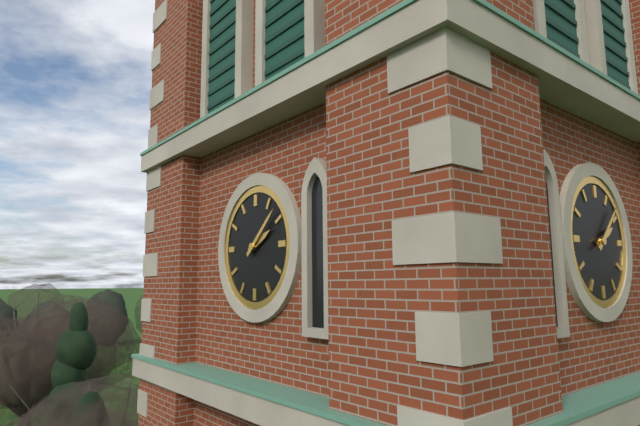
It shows 2 h 08 min
